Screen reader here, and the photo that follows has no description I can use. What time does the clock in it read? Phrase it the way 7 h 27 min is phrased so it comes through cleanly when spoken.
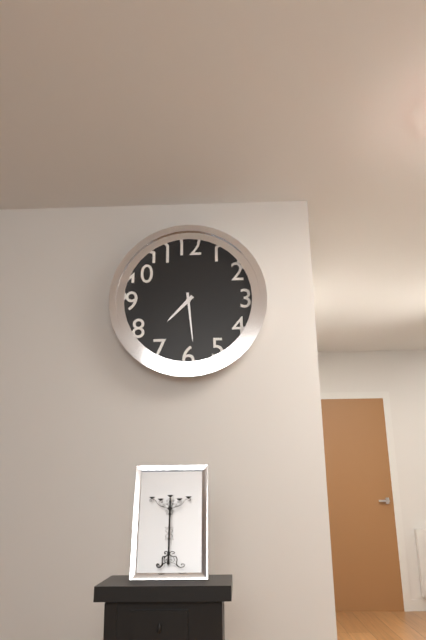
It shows 7 h 29 min
